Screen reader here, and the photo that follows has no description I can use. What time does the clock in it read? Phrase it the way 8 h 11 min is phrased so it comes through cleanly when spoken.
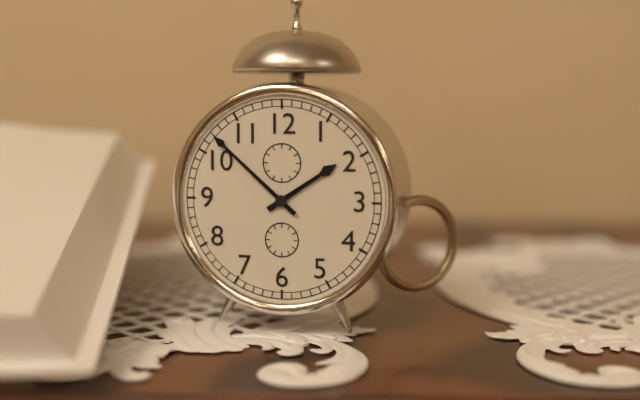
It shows 1 h 52 min
